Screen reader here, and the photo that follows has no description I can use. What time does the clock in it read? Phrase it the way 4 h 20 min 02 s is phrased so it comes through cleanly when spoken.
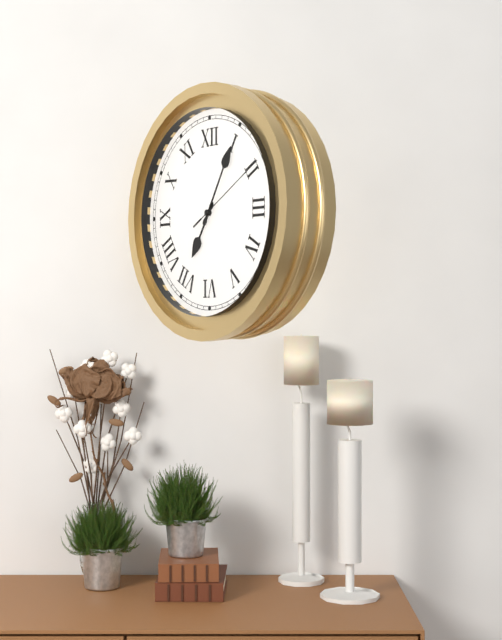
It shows 7 h 05 min 10 s
